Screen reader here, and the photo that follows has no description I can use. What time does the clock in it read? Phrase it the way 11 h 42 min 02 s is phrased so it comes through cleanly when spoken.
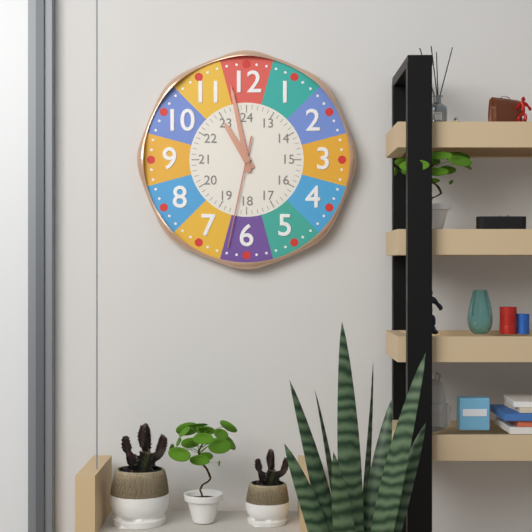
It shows 10 h 58 min 32 s
